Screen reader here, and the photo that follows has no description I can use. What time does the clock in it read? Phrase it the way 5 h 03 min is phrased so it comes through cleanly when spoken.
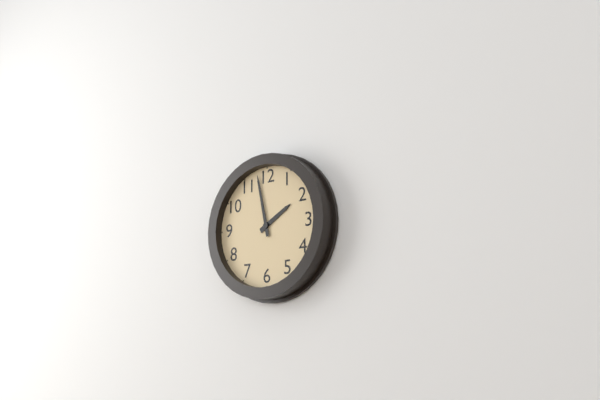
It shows 1 h 58 min
